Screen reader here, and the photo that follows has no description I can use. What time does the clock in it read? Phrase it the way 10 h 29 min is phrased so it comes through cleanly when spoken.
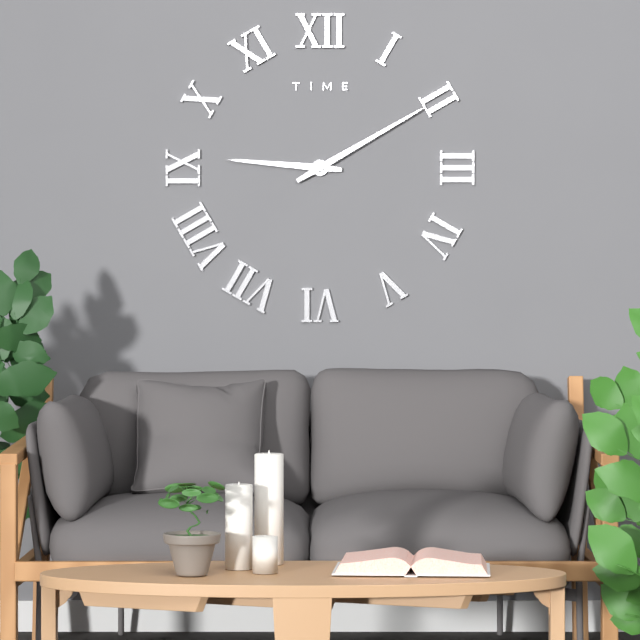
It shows 9 h 10 min
